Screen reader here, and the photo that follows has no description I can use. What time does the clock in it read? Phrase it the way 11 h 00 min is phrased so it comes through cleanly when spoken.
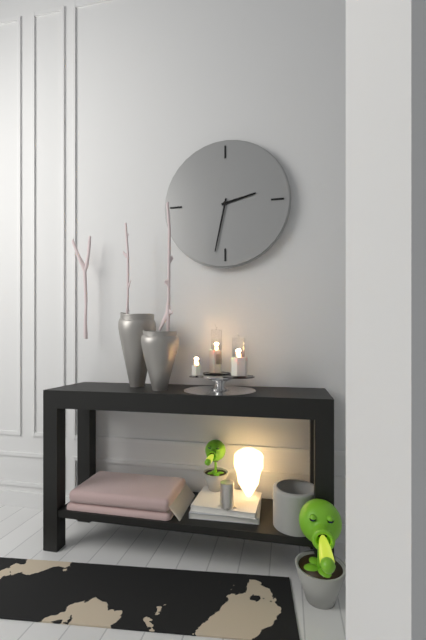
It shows 2 h 32 min
